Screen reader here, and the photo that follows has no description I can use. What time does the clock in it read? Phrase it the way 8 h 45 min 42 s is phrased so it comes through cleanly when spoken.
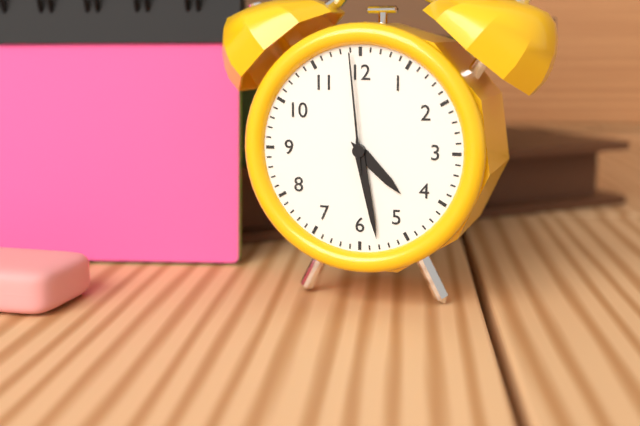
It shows 4 h 28 min 59 s
